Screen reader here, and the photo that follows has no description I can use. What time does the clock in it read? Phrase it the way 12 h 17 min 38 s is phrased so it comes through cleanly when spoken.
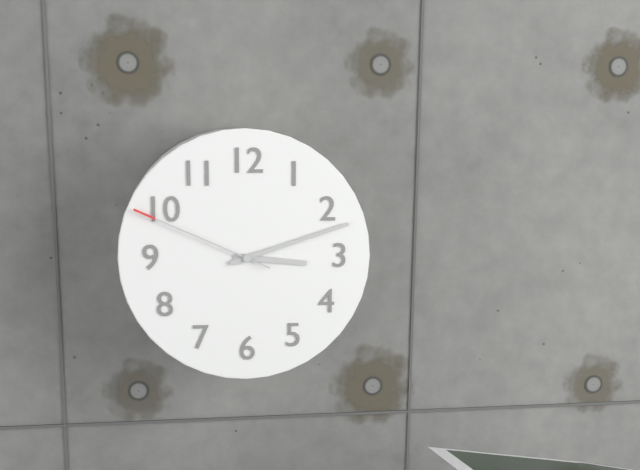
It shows 3 h 12 min 49 s
